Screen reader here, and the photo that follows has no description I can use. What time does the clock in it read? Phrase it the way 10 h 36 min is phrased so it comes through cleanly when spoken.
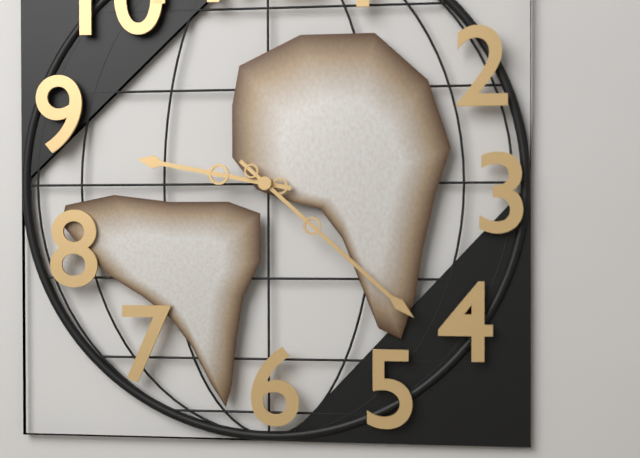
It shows 9 h 22 min
